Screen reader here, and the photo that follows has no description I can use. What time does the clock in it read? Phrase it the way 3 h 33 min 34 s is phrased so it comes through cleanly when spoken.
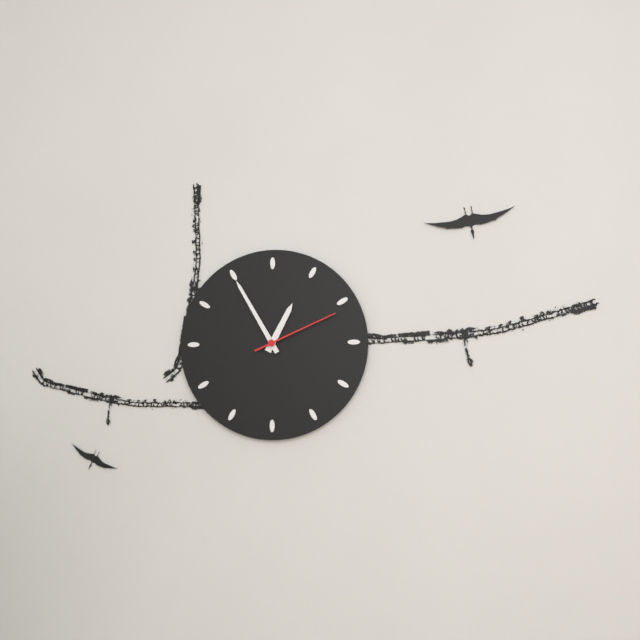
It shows 12 h 55 min 11 s
